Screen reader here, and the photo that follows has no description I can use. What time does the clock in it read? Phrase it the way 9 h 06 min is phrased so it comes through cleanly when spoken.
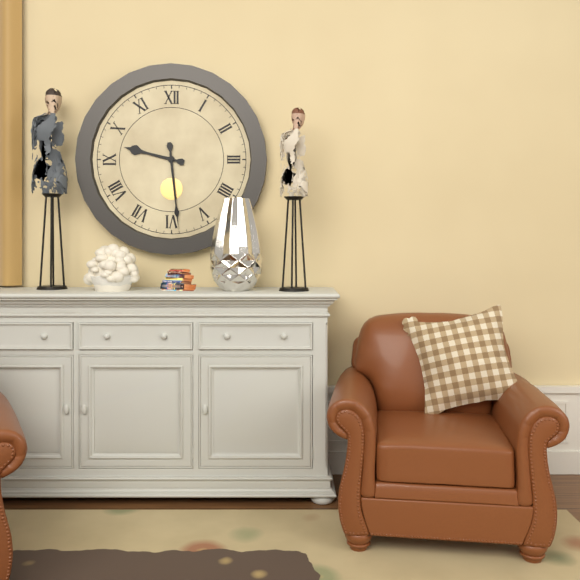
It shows 9 h 29 min
